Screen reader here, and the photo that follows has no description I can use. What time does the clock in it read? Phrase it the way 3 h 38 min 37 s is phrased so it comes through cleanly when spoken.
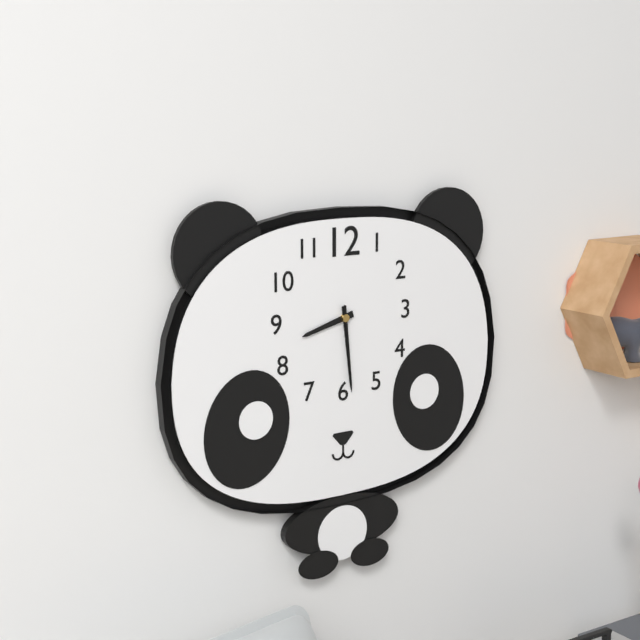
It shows 8 h 29 min 29 s
